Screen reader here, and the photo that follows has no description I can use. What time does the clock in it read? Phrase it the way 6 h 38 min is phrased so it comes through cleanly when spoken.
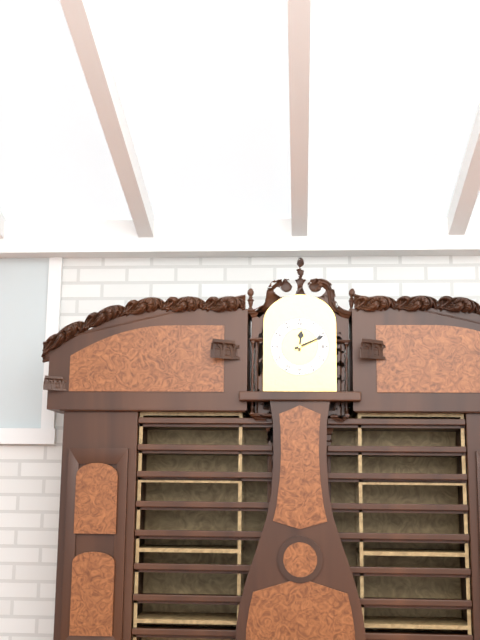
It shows 12 h 11 min
